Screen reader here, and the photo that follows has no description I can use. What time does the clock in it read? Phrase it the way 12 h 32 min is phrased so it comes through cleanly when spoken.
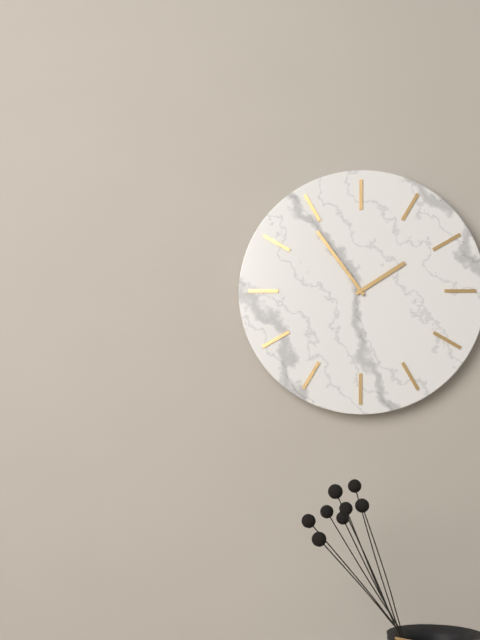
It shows 1 h 54 min
